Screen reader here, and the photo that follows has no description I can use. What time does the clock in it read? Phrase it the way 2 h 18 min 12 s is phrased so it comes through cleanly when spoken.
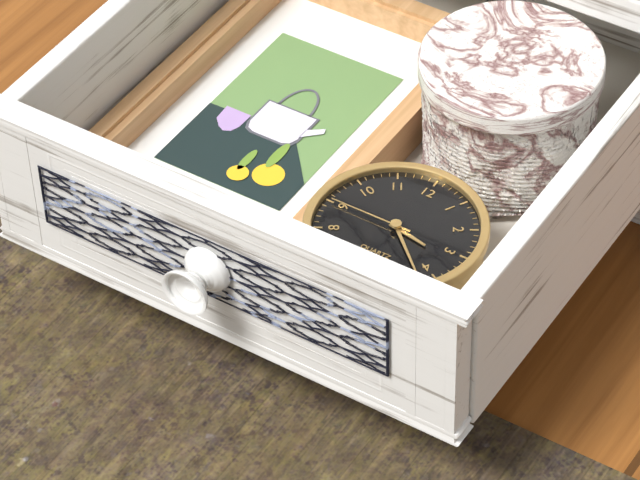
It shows 3 h 22 min 45 s
